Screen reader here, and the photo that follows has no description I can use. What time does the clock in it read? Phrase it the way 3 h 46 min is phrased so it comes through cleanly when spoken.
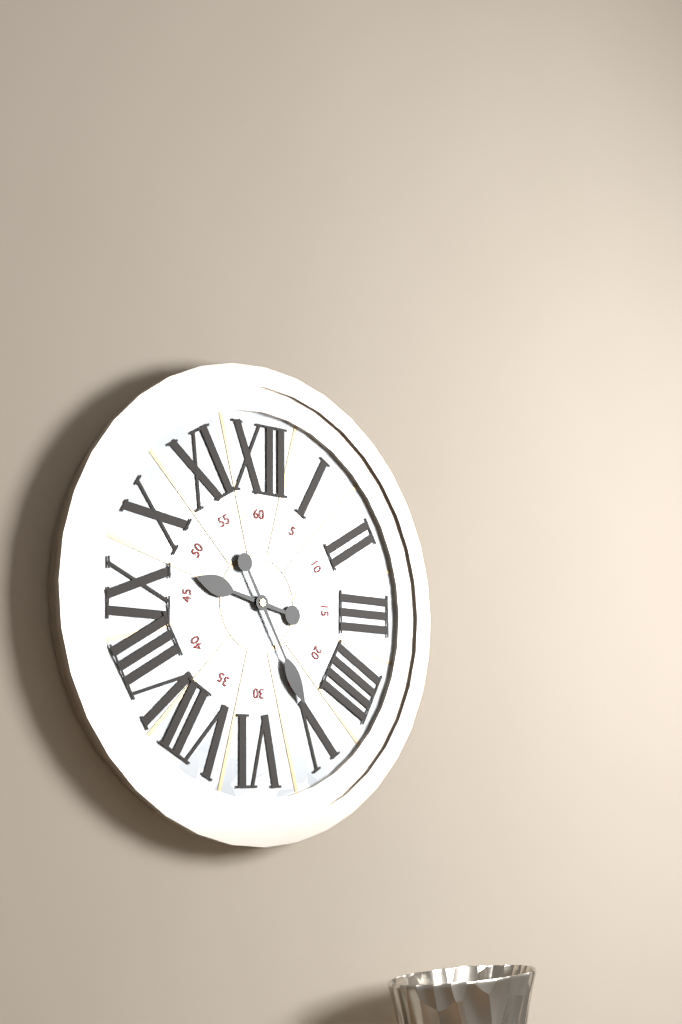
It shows 9 h 25 min
